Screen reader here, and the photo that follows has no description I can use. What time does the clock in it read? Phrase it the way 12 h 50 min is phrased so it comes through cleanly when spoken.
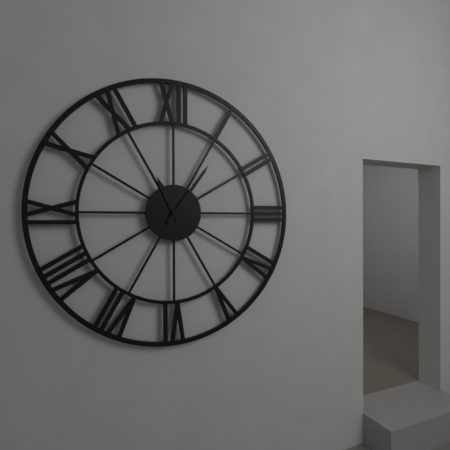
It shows 11 h 06 min
